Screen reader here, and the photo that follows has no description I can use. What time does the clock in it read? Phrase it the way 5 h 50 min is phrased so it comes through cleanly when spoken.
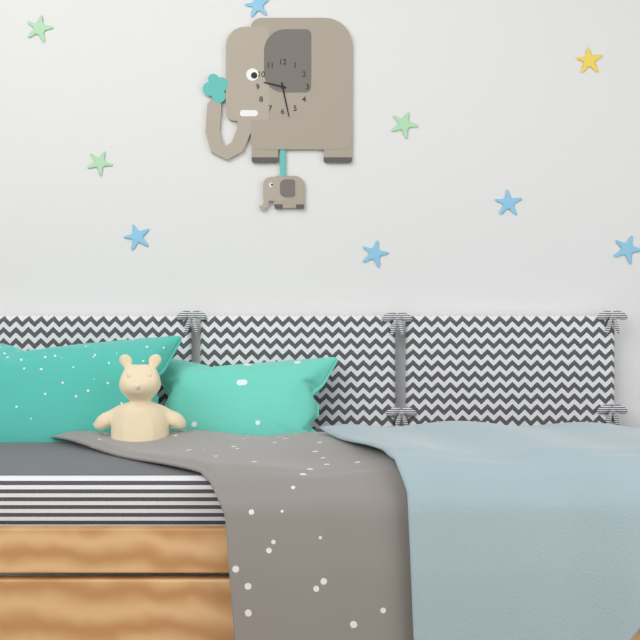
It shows 9 h 28 min
